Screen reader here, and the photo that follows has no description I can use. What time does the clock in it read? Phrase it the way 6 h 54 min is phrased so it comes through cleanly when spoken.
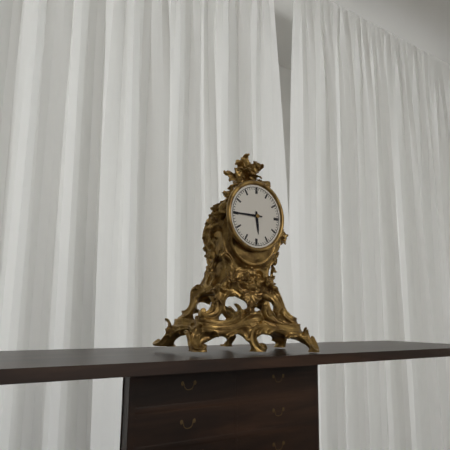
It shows 5 h 45 min
